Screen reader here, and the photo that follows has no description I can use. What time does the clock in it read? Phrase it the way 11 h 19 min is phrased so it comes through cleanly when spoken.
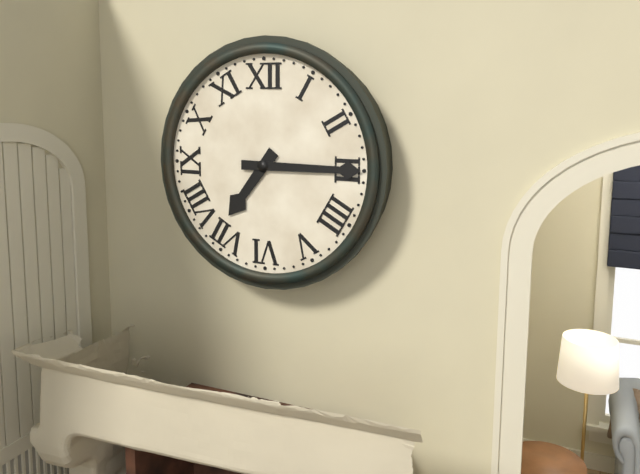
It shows 7 h 15 min
